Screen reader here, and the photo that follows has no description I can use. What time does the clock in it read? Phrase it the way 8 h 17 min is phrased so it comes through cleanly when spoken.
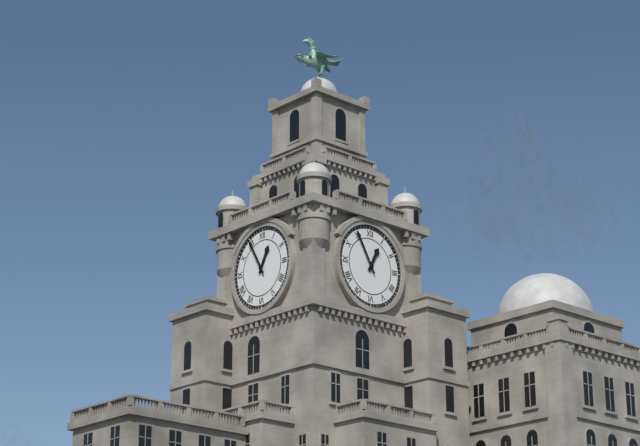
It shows 12 h 55 min
